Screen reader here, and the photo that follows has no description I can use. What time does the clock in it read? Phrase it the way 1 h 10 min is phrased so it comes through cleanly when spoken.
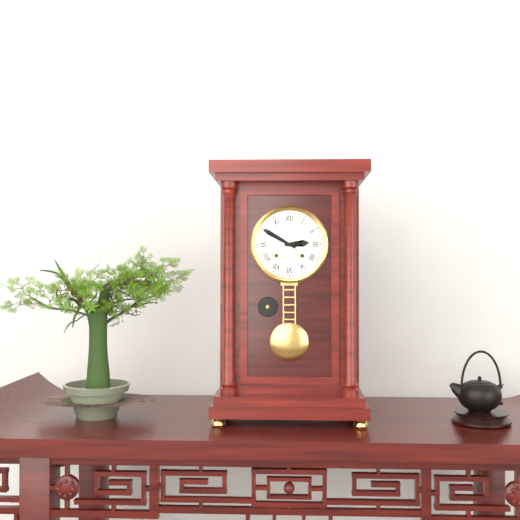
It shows 2 h 50 min
